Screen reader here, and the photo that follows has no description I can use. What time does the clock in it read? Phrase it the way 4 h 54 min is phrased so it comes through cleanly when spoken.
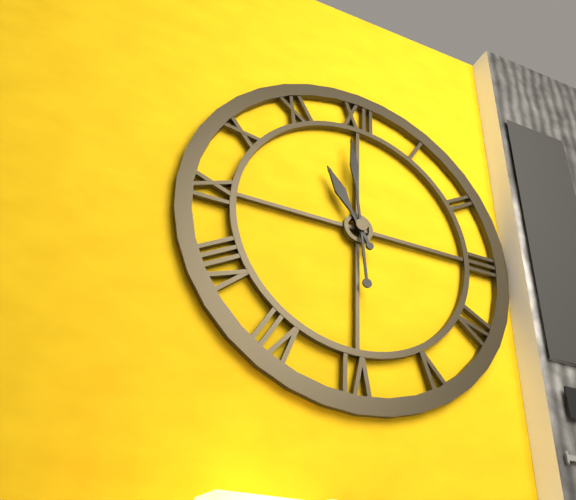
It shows 10 h 59 min
